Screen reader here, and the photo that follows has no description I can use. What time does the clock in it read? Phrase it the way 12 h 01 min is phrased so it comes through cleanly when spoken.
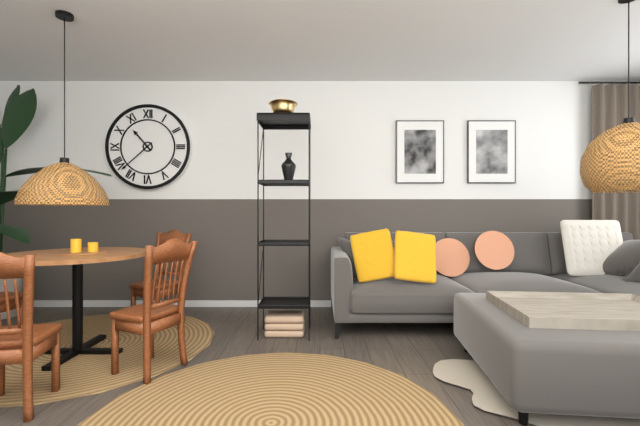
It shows 10 h 38 min
